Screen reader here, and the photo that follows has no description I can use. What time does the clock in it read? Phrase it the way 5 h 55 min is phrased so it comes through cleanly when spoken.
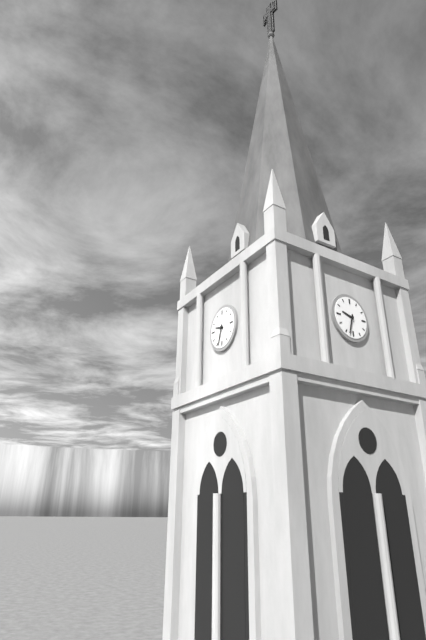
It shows 9 h 33 min
